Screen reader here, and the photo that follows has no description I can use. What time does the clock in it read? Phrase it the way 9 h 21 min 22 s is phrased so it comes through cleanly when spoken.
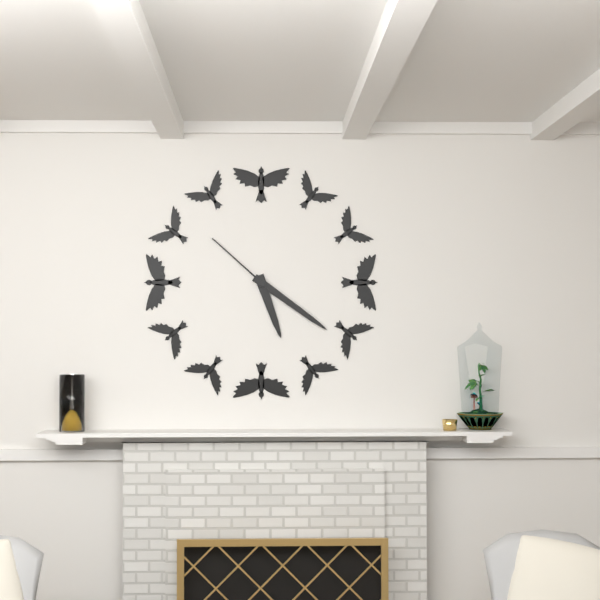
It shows 5 h 21 min 52 s
